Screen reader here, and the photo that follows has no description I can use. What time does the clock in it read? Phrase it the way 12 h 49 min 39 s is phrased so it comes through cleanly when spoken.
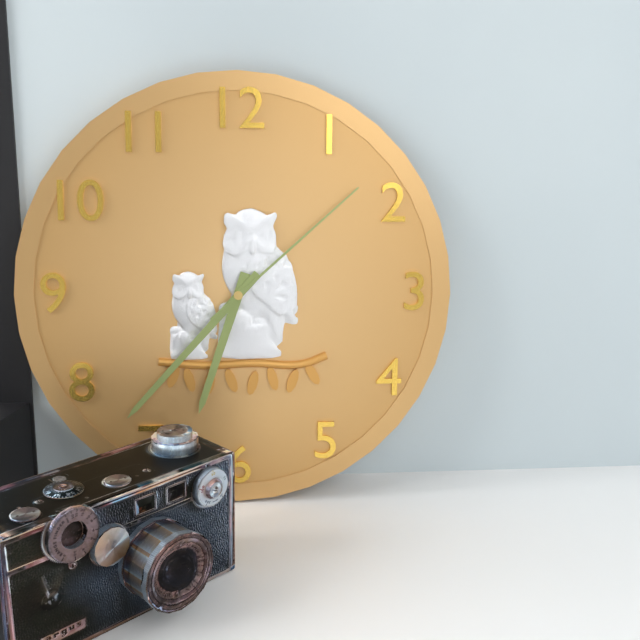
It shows 6 h 37 min 08 s
